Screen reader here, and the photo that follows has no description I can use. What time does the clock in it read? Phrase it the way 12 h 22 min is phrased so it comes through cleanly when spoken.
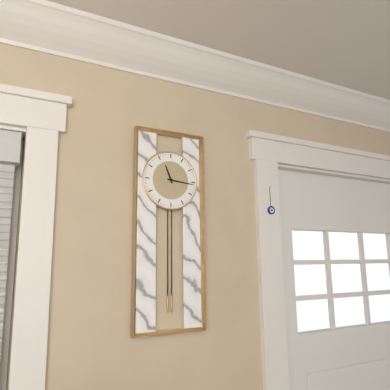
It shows 11 h 16 min
